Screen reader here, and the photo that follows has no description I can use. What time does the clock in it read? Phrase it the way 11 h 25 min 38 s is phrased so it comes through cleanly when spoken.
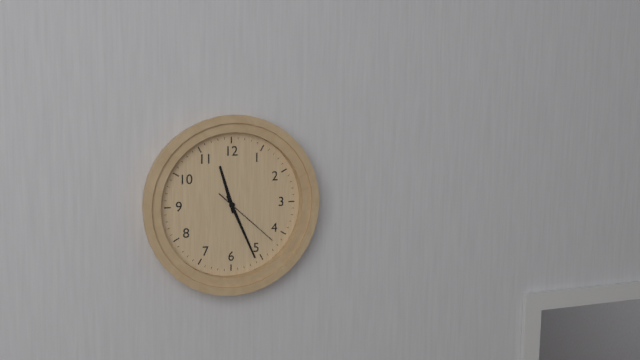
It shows 11 h 26 min 22 s
